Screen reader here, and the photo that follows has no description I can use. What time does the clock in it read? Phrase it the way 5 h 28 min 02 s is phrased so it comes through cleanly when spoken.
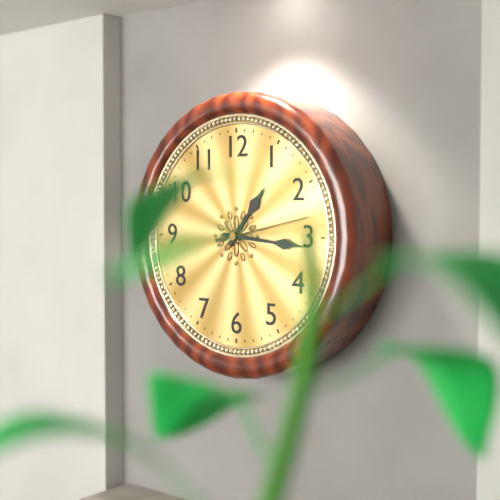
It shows 1 h 16 min 13 s
